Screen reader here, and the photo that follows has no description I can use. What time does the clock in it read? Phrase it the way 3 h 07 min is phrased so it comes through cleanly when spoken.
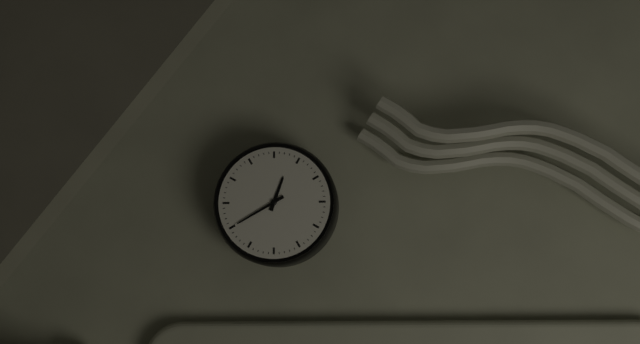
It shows 12 h 40 min
